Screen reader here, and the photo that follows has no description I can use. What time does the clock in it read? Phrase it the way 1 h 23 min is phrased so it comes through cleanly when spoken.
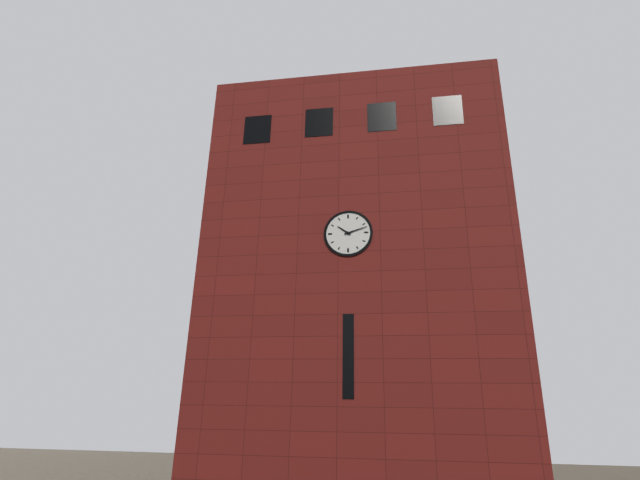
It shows 10 h 12 min
